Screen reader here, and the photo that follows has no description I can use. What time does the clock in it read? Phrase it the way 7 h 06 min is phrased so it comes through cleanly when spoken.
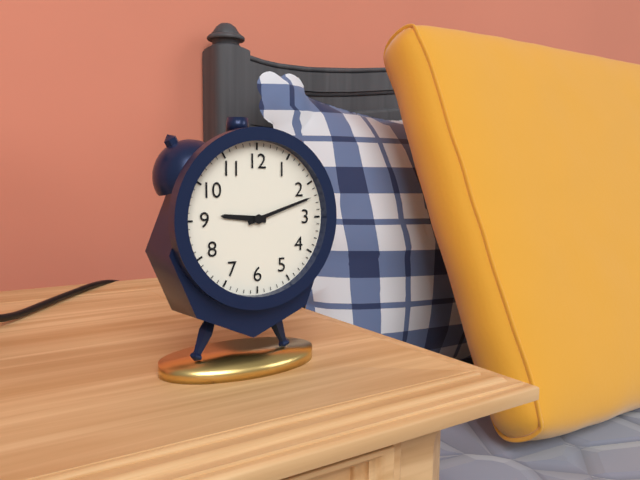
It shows 9 h 12 min
